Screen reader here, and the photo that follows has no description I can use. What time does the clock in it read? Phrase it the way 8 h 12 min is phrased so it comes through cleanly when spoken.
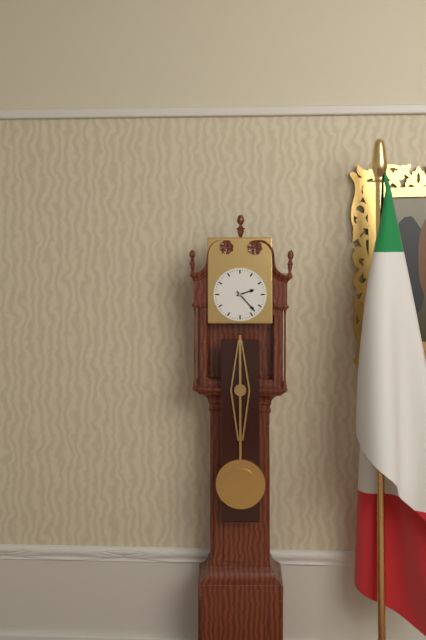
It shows 2 h 23 min
